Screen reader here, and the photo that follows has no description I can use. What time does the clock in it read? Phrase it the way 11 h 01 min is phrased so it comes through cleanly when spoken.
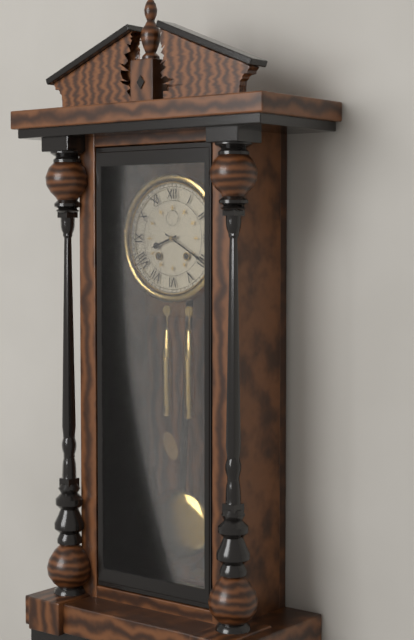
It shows 8 h 20 min
